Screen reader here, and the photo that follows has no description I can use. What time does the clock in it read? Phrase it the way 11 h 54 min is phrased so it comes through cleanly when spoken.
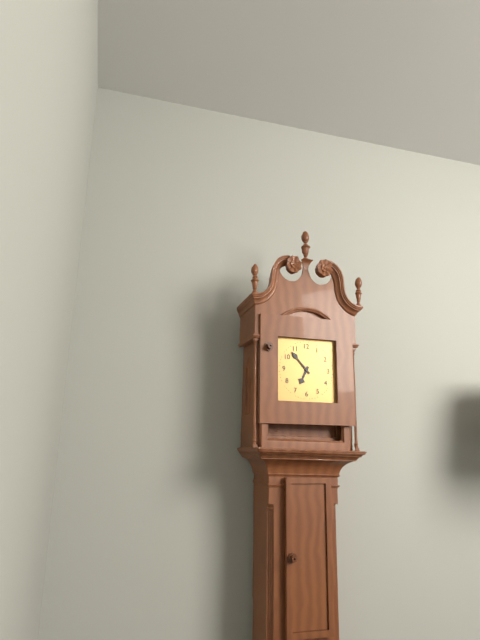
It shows 6 h 53 min
